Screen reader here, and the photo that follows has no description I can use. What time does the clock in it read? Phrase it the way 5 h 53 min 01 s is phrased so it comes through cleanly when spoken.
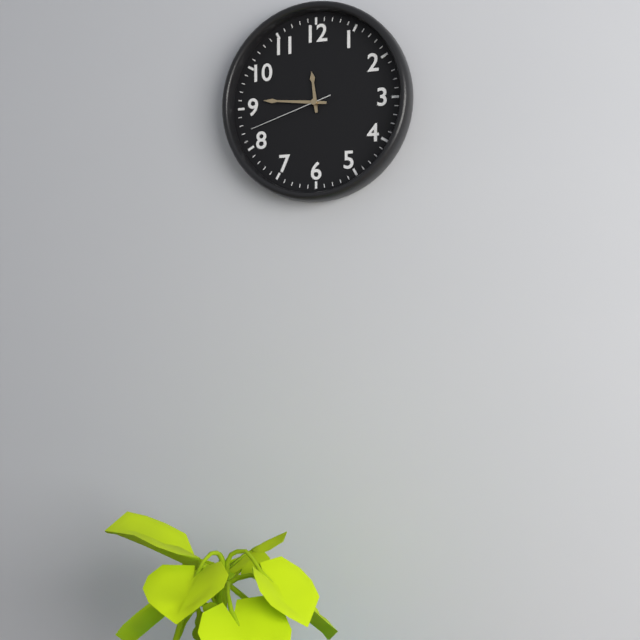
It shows 11 h 46 min 42 s
